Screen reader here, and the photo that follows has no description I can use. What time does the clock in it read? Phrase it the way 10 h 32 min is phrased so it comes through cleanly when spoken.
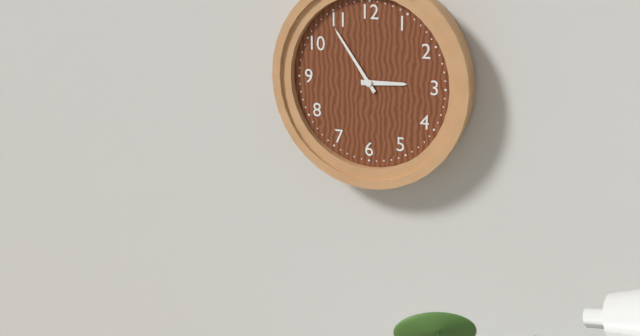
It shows 2 h 54 min
